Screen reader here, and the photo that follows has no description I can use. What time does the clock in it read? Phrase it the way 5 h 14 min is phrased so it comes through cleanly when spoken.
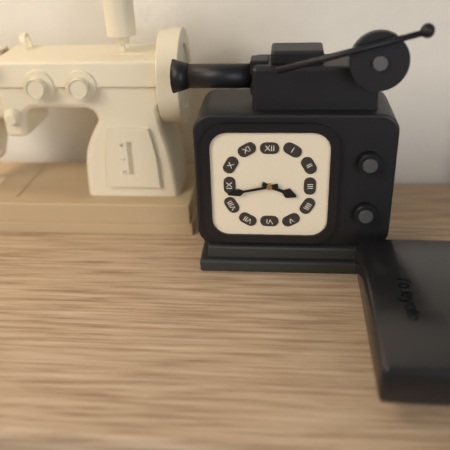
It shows 3 h 43 min
